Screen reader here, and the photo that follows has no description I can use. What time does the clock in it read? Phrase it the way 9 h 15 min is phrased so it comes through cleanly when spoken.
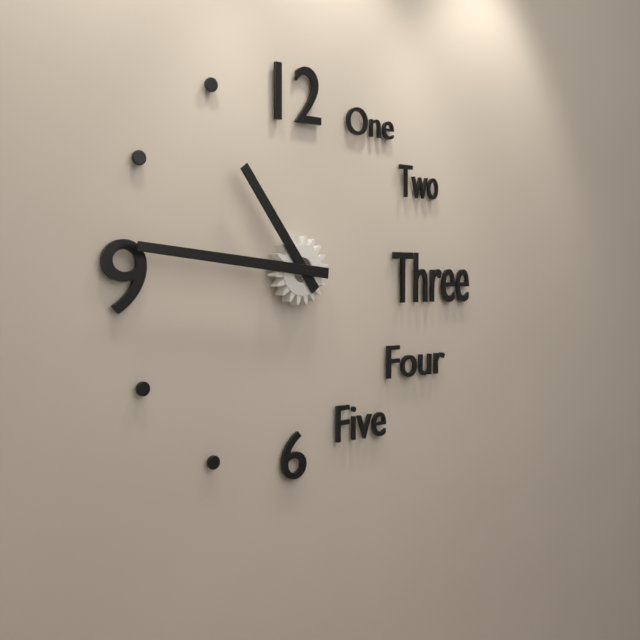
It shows 10 h 46 min
